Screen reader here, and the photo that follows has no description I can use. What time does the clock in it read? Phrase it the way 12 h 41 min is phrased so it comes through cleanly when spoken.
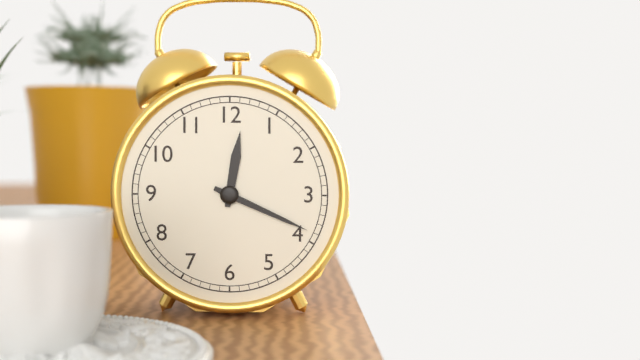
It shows 12 h 19 min
